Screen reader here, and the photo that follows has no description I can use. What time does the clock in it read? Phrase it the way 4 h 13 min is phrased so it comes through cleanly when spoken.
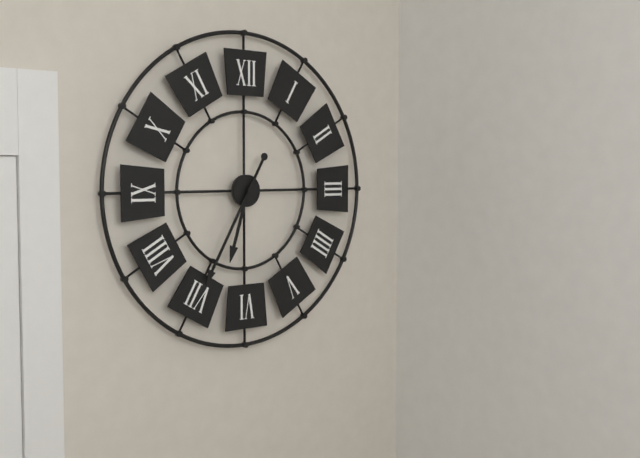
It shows 6 h 35 min
